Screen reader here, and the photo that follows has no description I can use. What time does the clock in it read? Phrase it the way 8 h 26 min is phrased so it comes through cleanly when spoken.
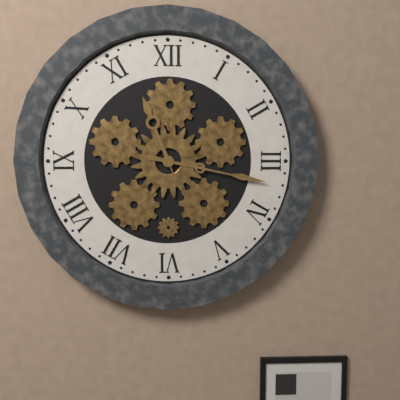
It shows 11 h 17 min
